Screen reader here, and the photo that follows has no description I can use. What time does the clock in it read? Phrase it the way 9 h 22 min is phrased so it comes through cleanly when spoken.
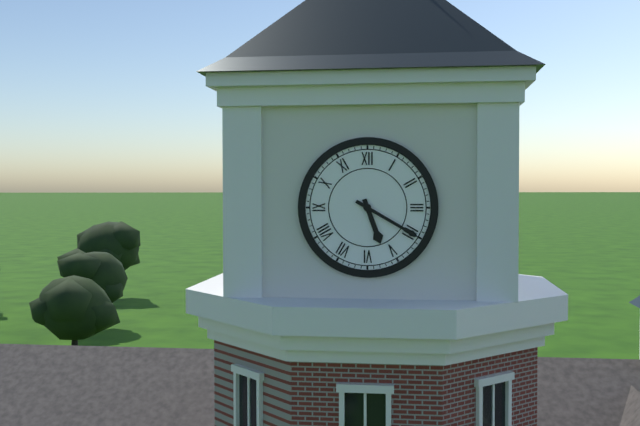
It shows 5 h 20 min
